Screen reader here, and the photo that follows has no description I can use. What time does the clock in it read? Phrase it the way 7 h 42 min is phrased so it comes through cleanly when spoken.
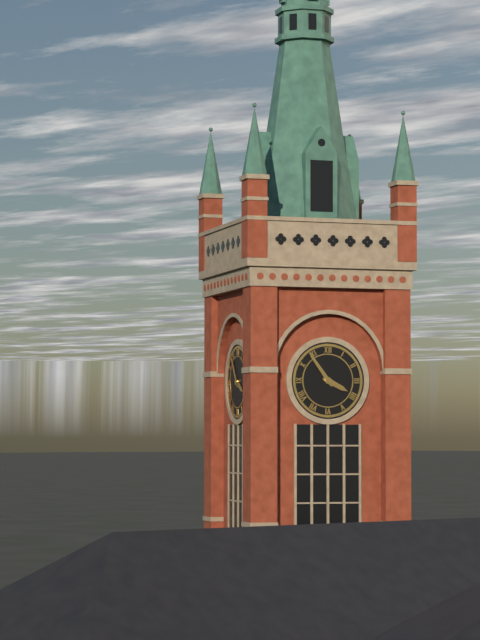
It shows 3 h 54 min
